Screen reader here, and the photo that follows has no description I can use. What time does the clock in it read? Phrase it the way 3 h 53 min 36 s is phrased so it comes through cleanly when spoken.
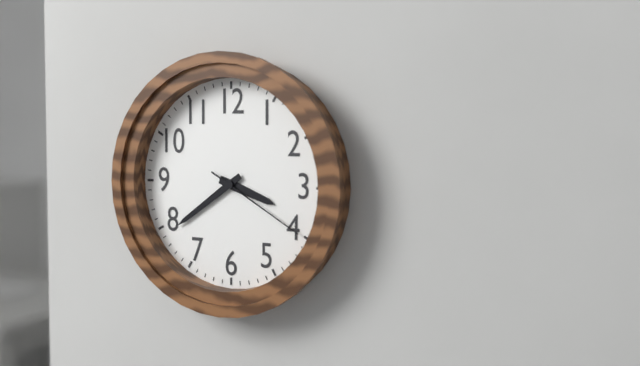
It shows 3 h 39 min 20 s
